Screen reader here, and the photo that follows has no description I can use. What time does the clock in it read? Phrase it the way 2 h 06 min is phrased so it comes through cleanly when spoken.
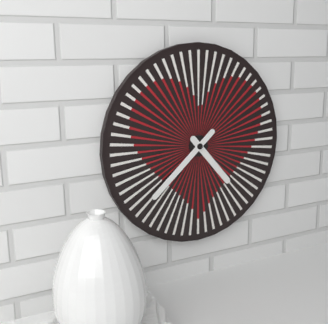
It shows 4 h 38 min
